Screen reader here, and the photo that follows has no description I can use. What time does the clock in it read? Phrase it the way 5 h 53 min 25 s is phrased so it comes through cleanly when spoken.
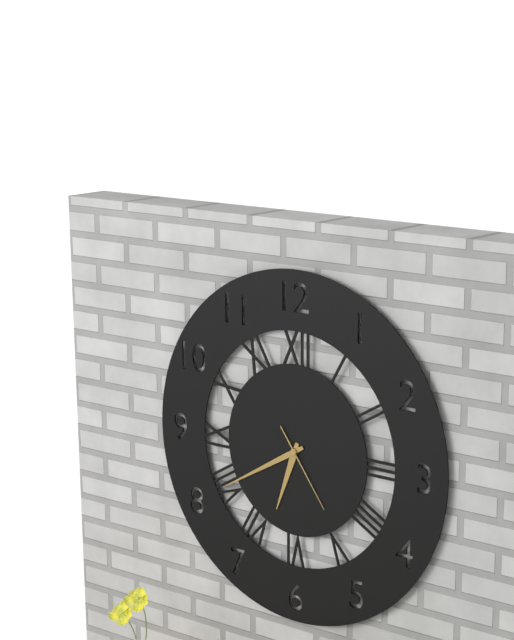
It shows 6 h 40 min 24 s
